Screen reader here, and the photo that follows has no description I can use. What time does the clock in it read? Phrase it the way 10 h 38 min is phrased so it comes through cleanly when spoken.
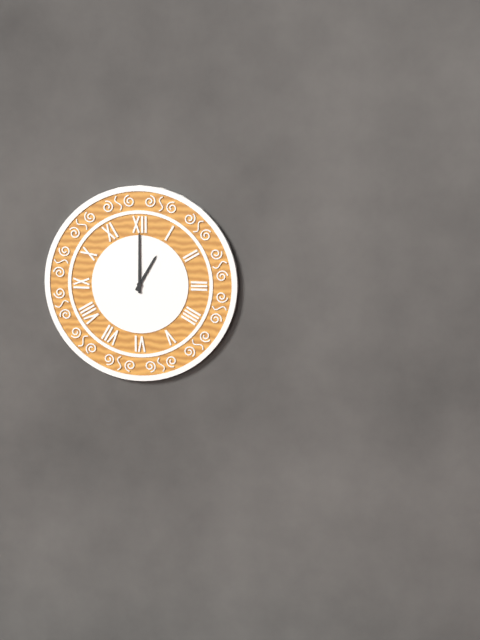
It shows 1 h 00 min
